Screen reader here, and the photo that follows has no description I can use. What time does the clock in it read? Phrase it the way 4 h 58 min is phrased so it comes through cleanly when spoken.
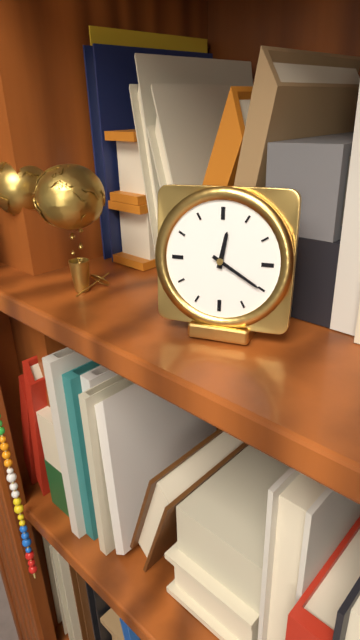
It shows 12 h 20 min
